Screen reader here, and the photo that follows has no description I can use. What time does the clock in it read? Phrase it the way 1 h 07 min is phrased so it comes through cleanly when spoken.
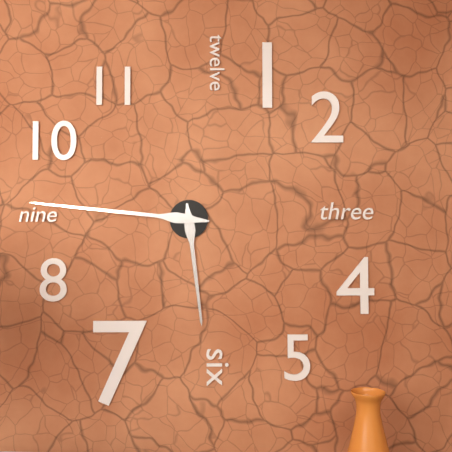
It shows 5 h 46 min
